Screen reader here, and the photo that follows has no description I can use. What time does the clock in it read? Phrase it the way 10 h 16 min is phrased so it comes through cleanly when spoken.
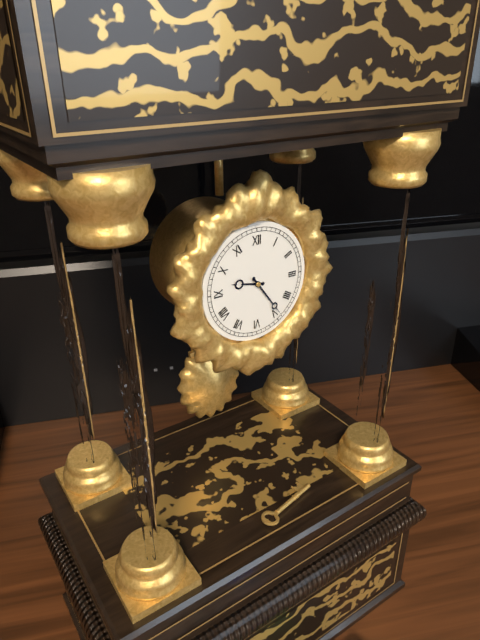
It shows 9 h 24 min
